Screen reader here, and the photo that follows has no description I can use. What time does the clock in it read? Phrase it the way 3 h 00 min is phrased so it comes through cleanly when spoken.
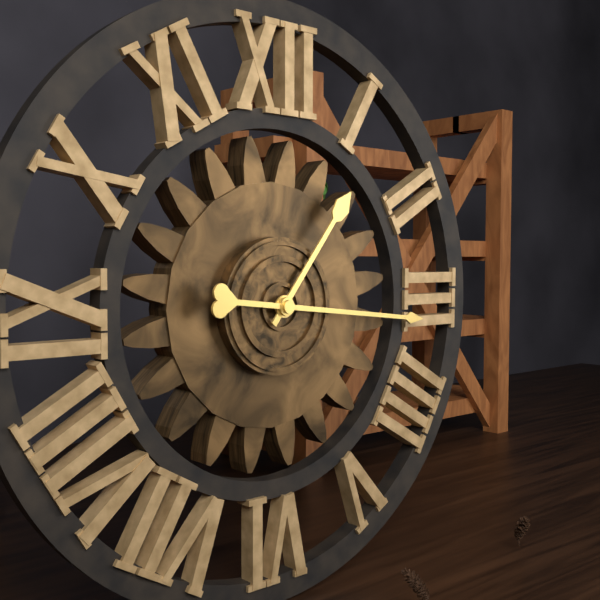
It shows 1 h 16 min
